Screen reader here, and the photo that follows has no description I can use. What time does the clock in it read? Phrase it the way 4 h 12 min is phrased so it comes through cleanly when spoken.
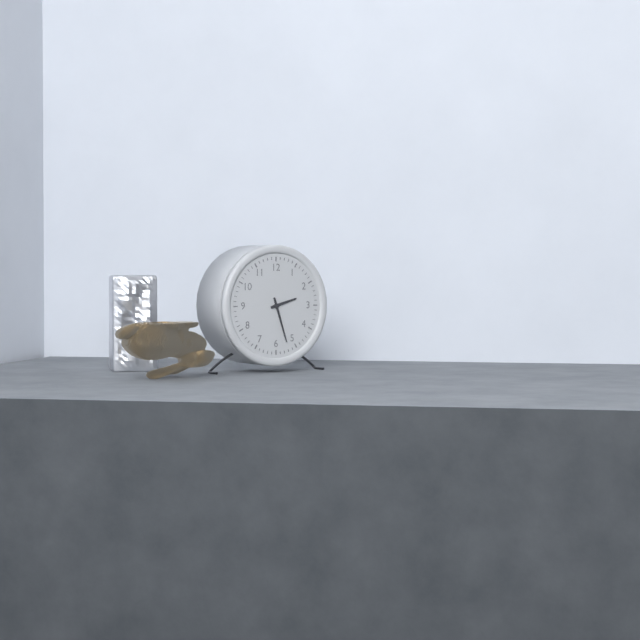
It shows 2 h 27 min
